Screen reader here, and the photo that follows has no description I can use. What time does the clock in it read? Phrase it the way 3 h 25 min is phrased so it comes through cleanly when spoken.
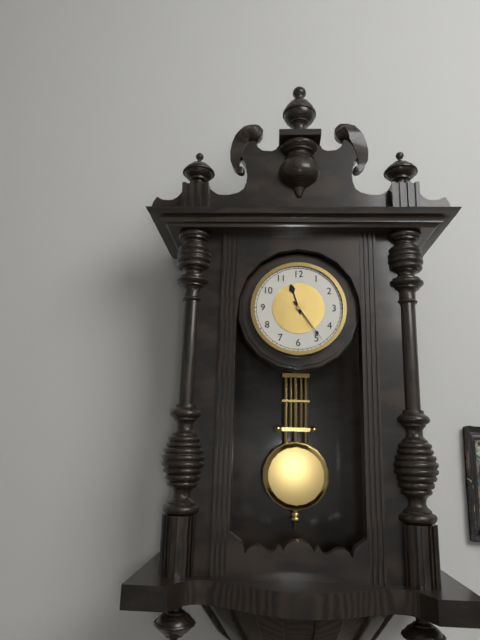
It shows 11 h 24 min
